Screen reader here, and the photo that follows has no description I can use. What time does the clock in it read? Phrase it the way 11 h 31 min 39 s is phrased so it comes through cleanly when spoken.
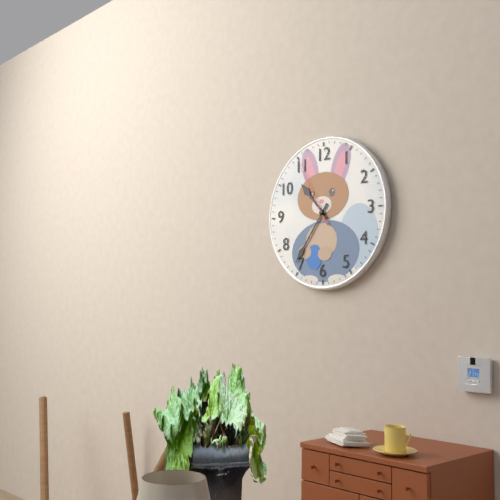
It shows 10 h 36 min 55 s
